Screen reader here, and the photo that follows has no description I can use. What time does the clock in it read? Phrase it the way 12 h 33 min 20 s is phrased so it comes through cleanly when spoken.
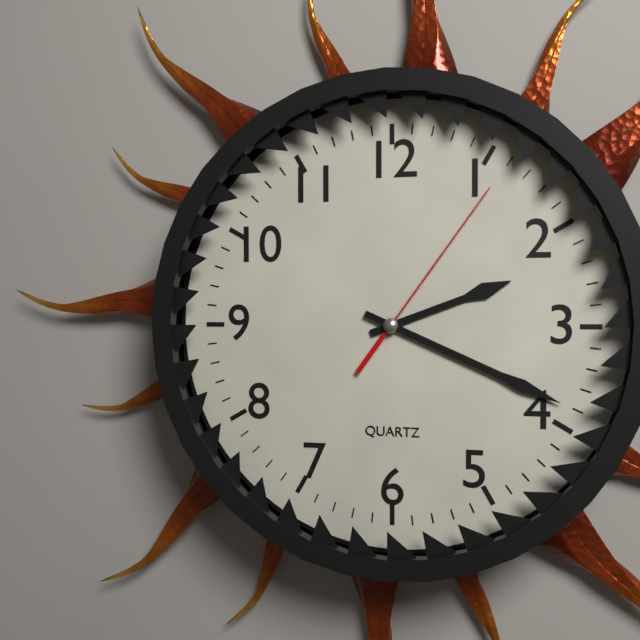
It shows 2 h 19 min 06 s
